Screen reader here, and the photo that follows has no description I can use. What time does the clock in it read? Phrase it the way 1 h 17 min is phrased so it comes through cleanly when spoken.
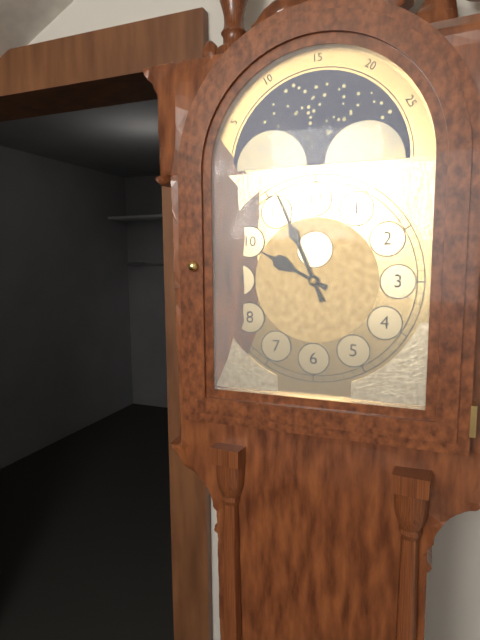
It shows 9 h 56 min
